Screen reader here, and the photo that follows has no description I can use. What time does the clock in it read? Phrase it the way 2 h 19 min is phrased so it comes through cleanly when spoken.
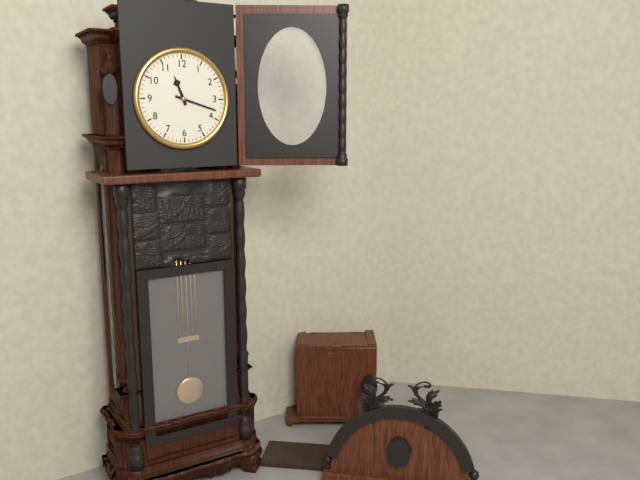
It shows 11 h 18 min
